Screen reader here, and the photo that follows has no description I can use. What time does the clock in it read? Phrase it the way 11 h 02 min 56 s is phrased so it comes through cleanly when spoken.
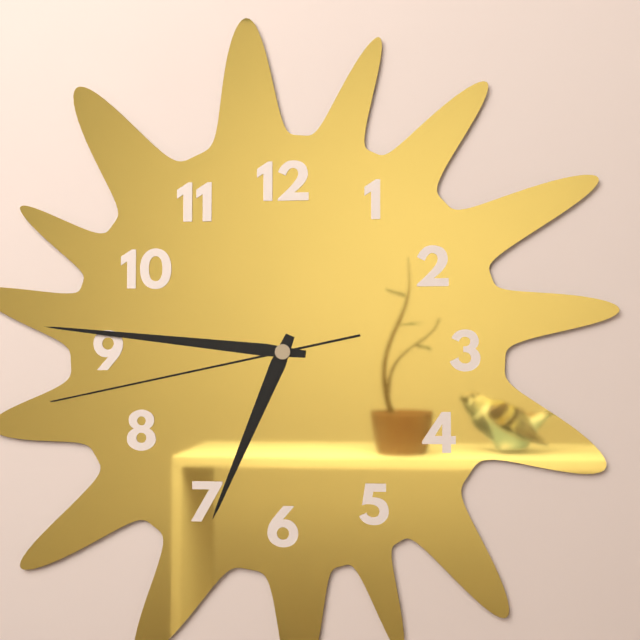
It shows 6 h 46 min 43 s
